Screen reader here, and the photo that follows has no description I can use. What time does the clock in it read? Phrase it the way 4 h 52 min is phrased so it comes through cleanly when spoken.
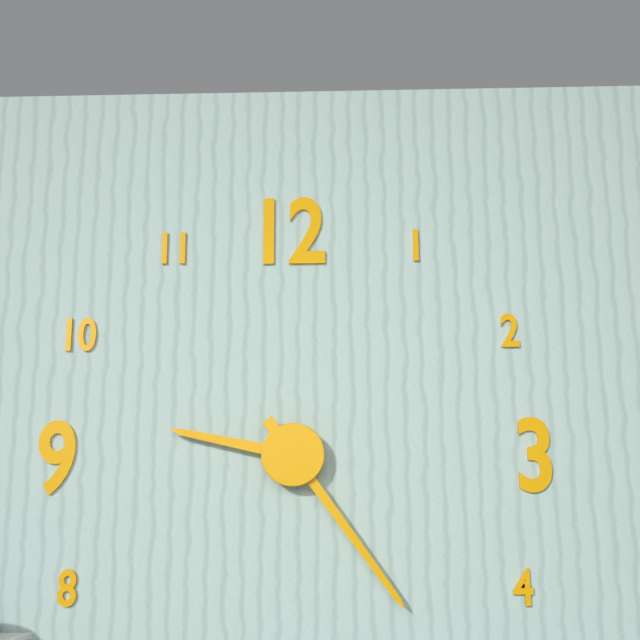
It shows 9 h 24 min
